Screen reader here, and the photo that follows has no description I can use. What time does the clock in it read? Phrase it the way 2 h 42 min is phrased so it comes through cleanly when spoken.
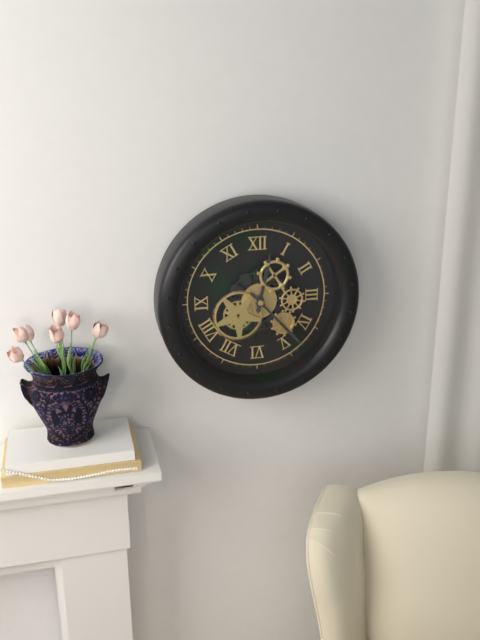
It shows 12 h 23 min
